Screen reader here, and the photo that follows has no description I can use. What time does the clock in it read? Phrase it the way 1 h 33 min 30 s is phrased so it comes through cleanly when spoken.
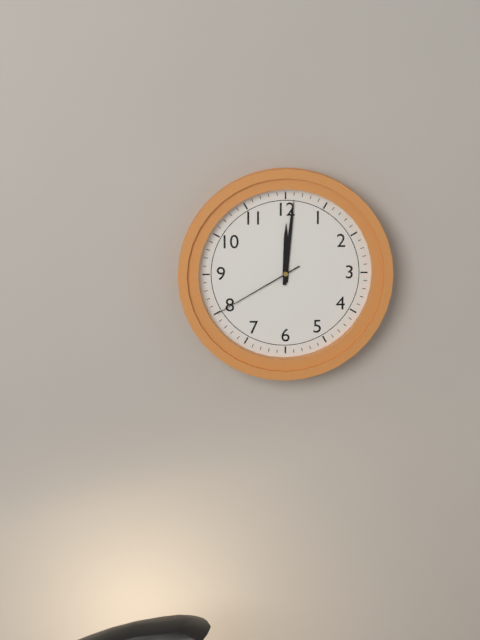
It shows 12 h 01 min 40 s
